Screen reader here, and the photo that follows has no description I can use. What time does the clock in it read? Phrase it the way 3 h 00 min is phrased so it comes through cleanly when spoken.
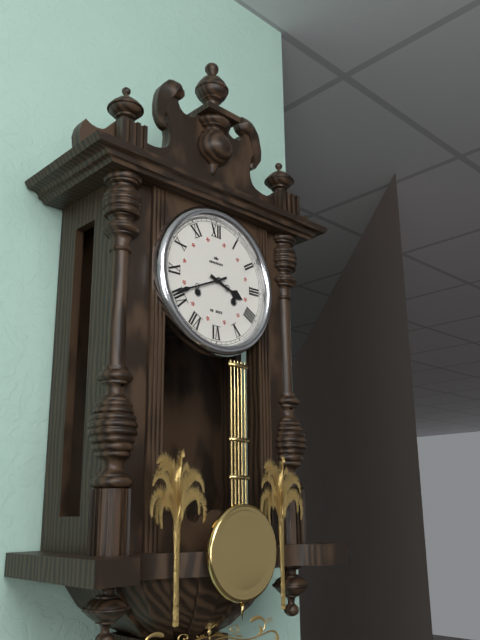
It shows 3 h 41 min
